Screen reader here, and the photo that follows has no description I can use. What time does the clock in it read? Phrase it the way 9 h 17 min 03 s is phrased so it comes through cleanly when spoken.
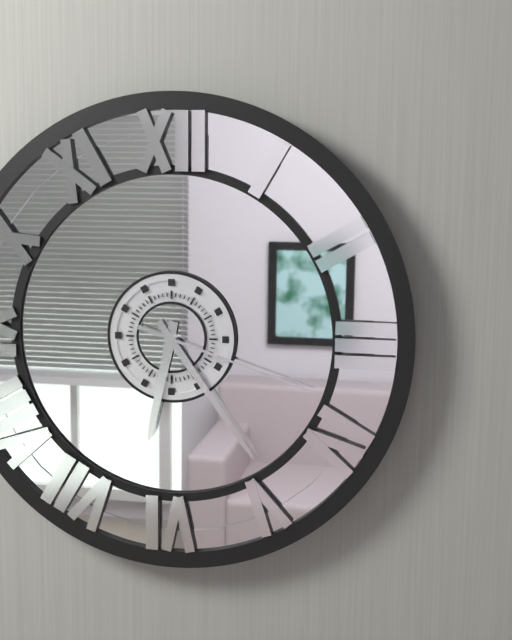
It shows 6 h 24 min 18 s
